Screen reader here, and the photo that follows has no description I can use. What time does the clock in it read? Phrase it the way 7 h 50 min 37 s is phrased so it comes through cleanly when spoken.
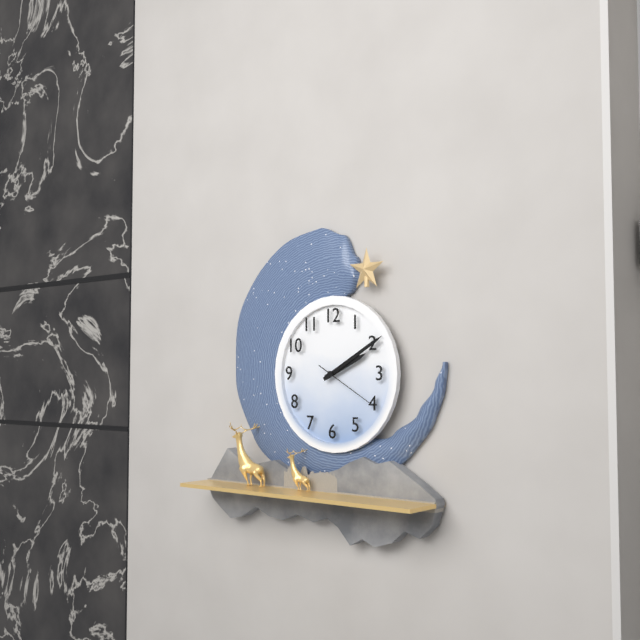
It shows 2 h 10 min 20 s
